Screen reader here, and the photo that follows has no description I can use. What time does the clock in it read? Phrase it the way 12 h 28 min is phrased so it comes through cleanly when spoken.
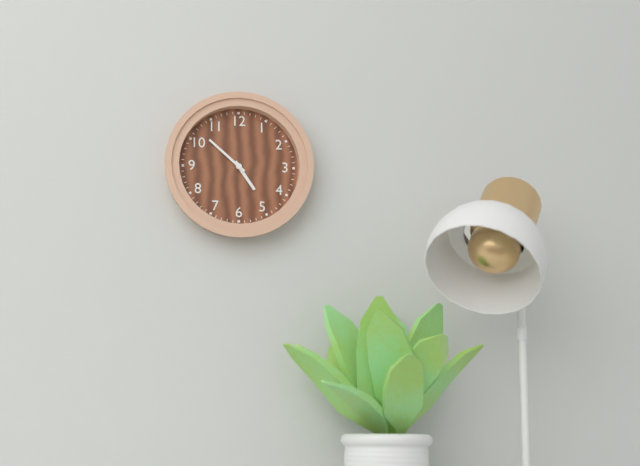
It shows 4 h 52 min
